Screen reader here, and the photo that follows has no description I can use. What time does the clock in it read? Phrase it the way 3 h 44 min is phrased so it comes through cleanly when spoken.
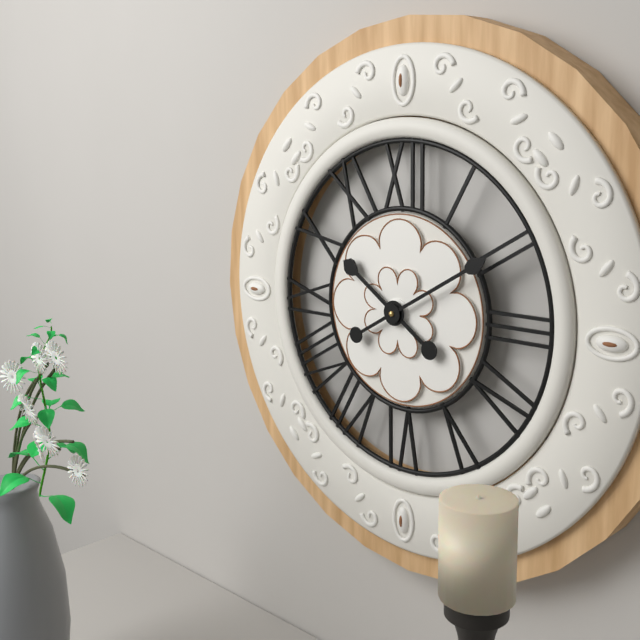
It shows 10 h 10 min
